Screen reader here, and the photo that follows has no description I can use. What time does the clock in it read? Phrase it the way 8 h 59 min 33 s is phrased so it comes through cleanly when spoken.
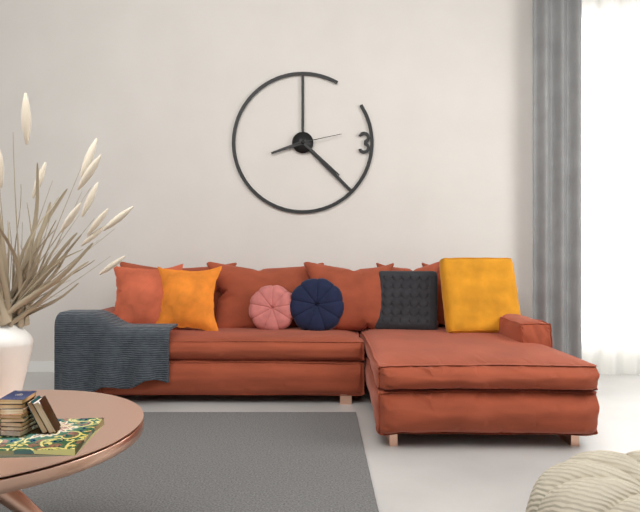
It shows 8 h 22 min 13 s
